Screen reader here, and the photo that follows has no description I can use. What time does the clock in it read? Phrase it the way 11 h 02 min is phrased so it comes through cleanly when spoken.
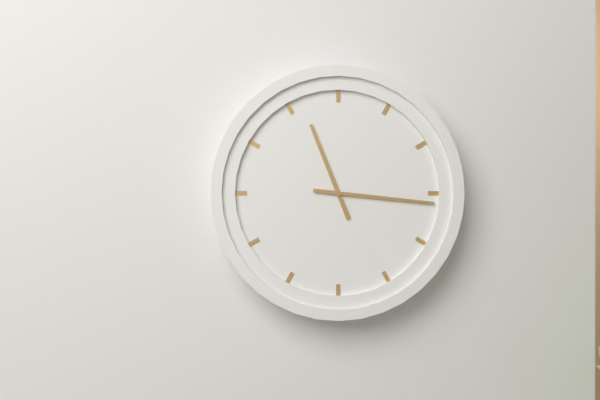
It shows 11 h 16 min
